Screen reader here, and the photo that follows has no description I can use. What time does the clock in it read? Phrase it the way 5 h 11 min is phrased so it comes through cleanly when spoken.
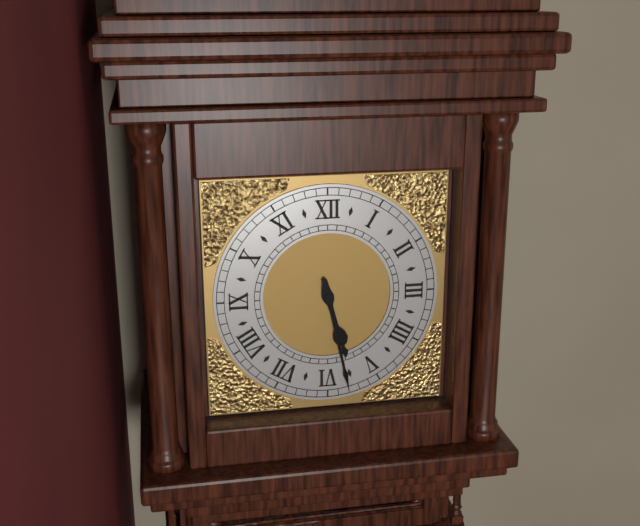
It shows 5 h 28 min
